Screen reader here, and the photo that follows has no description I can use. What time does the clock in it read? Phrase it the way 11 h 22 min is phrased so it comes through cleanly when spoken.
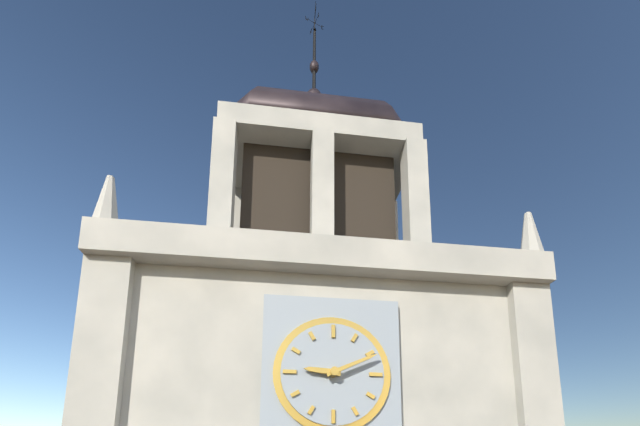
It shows 9 h 11 min
